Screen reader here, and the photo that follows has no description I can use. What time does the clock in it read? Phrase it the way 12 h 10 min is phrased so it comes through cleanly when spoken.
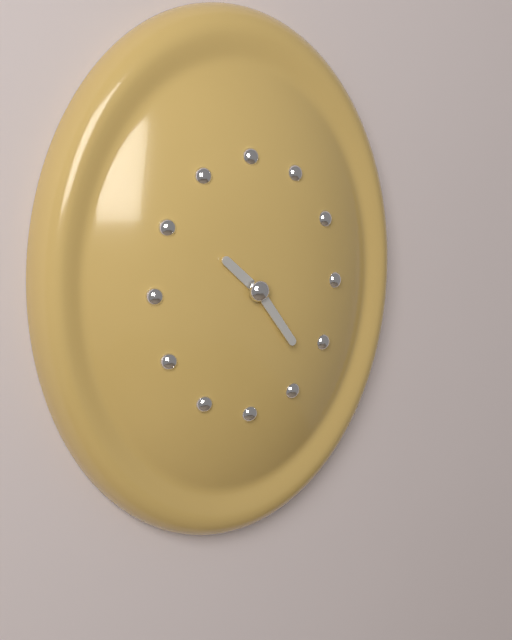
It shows 10 h 24 min
